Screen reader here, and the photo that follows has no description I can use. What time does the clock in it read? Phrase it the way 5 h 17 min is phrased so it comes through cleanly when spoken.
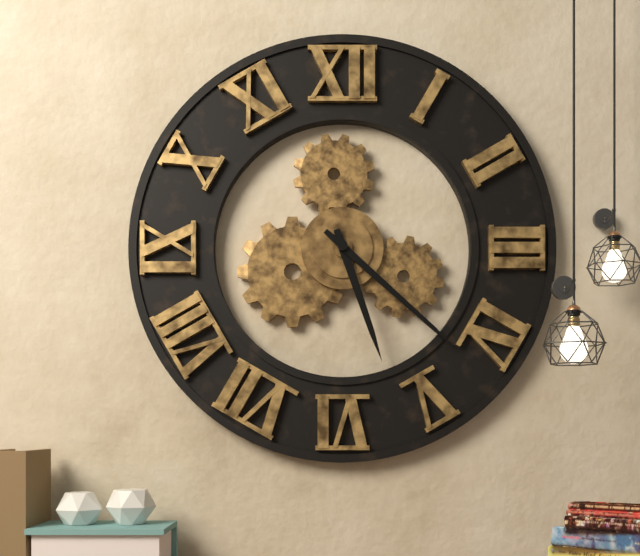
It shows 5 h 22 min
